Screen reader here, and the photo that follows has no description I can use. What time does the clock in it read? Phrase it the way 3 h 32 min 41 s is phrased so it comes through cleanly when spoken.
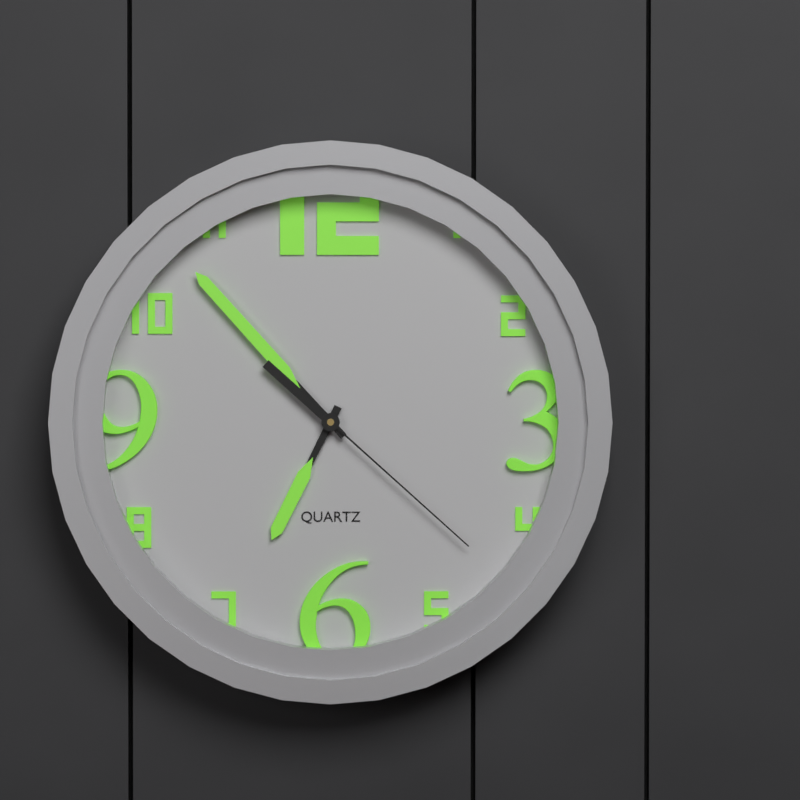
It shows 6 h 53 min 22 s
